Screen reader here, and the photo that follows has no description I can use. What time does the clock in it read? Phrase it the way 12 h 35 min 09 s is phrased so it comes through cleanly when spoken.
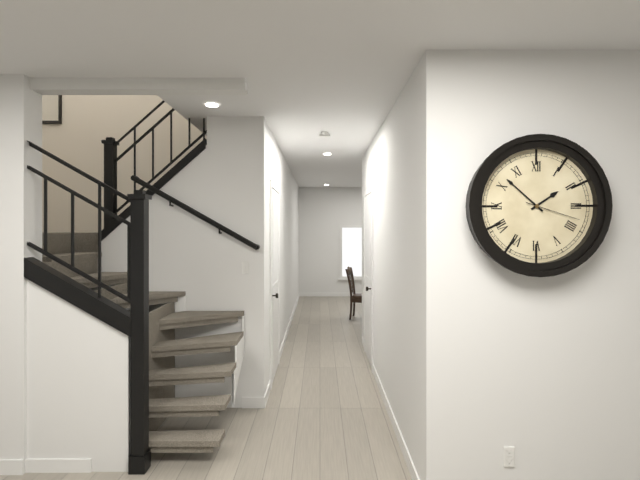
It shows 1 h 52 min 18 s
